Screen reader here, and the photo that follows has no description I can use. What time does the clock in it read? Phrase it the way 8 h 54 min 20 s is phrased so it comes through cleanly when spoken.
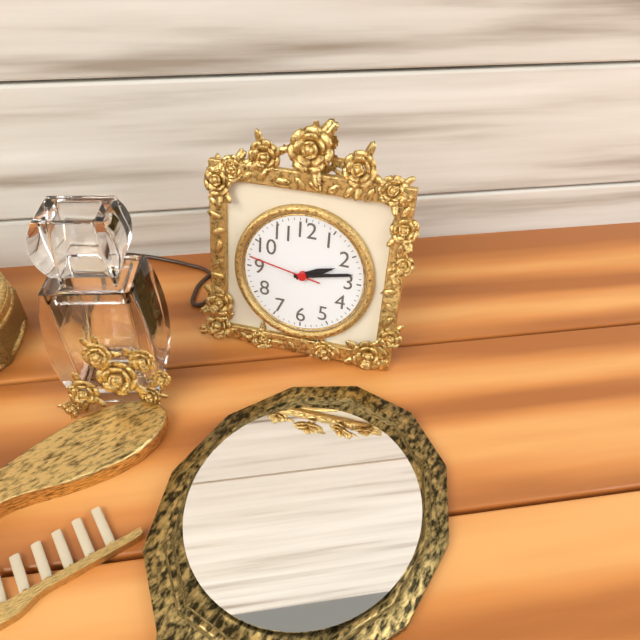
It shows 2 h 13 min 47 s
